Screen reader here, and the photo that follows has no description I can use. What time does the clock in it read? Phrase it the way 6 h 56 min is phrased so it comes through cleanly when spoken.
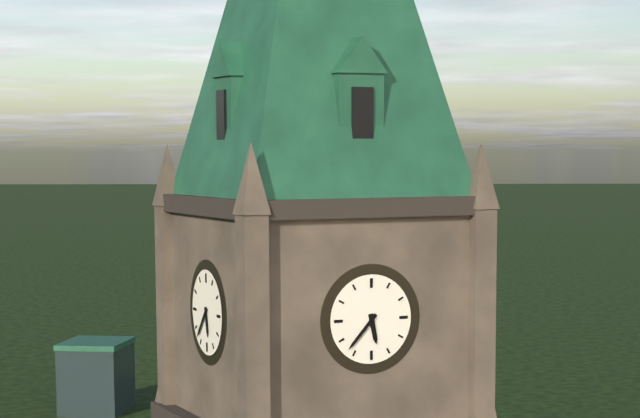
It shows 5 h 37 min
